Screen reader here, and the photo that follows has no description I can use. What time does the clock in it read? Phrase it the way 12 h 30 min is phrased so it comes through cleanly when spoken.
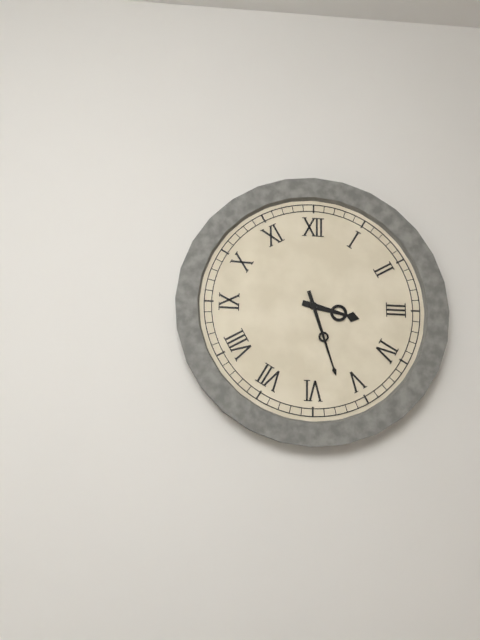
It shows 3 h 27 min
